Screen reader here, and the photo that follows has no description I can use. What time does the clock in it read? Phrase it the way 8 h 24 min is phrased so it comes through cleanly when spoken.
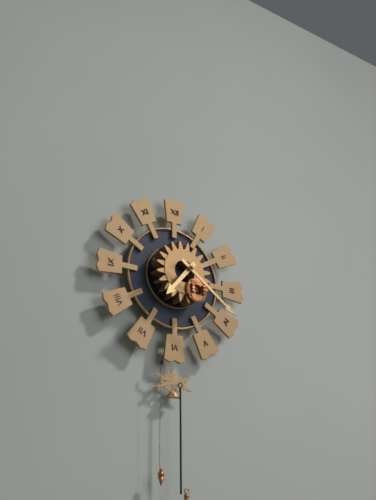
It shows 7 h 21 min
